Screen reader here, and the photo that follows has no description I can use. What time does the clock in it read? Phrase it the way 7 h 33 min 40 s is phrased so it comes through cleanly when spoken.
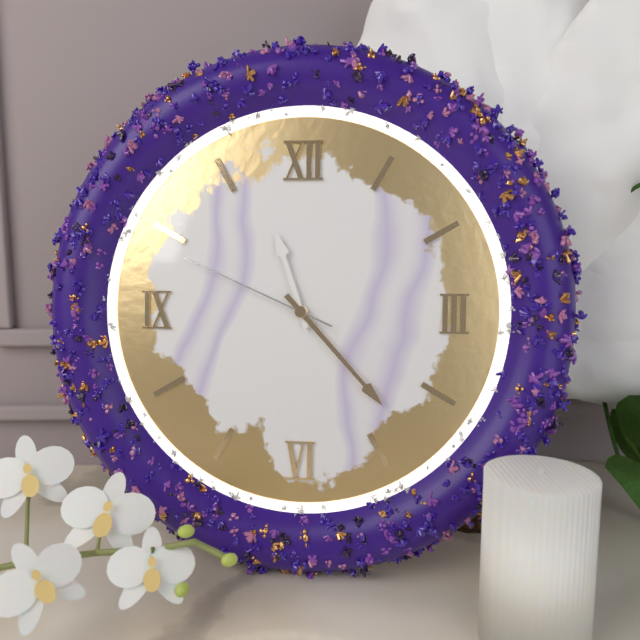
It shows 11 h 23 min 49 s
